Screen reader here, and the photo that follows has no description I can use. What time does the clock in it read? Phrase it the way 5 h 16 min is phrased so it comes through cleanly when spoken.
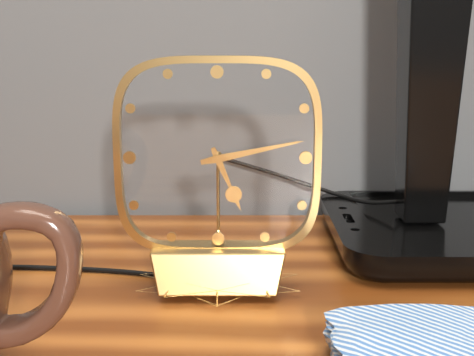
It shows 5 h 13 min
